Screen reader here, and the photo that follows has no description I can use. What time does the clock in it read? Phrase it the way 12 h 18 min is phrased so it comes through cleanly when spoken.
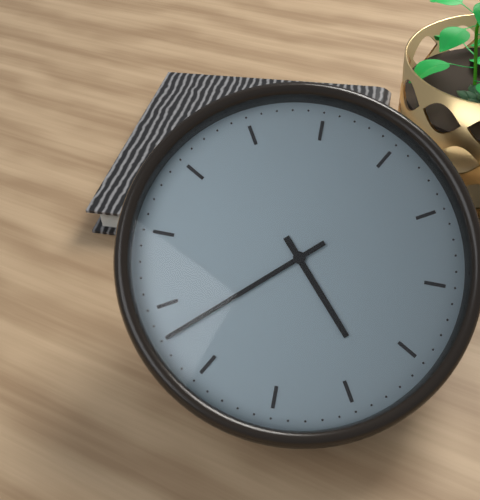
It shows 4 h 38 min
